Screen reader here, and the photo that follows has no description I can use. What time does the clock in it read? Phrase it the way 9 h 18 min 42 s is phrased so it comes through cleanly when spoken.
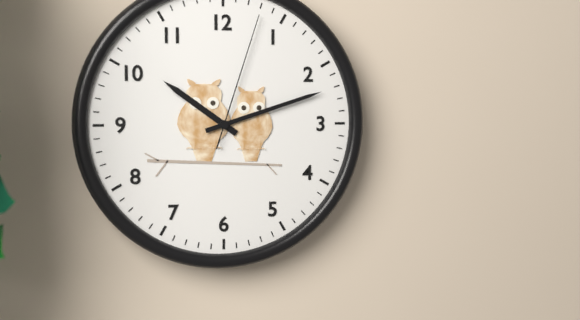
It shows 10 h 12 min 03 s
